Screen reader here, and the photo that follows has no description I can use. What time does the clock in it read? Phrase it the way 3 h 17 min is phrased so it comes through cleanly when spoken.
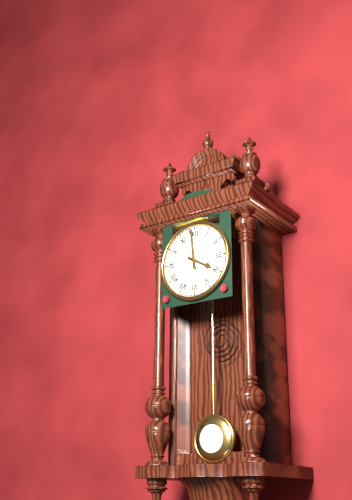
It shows 3 h 59 min
